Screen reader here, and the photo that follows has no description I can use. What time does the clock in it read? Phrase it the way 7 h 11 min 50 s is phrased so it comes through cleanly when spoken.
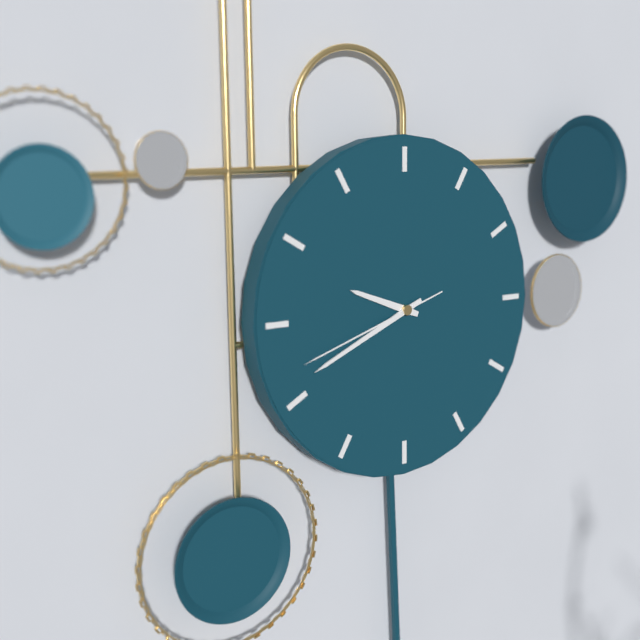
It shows 9 h 41 min 42 s
